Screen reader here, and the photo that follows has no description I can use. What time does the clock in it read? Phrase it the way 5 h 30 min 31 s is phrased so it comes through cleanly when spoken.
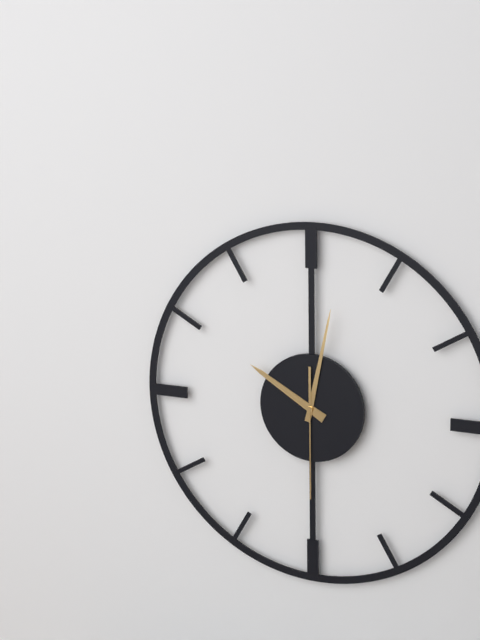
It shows 10 h 02 min 30 s
